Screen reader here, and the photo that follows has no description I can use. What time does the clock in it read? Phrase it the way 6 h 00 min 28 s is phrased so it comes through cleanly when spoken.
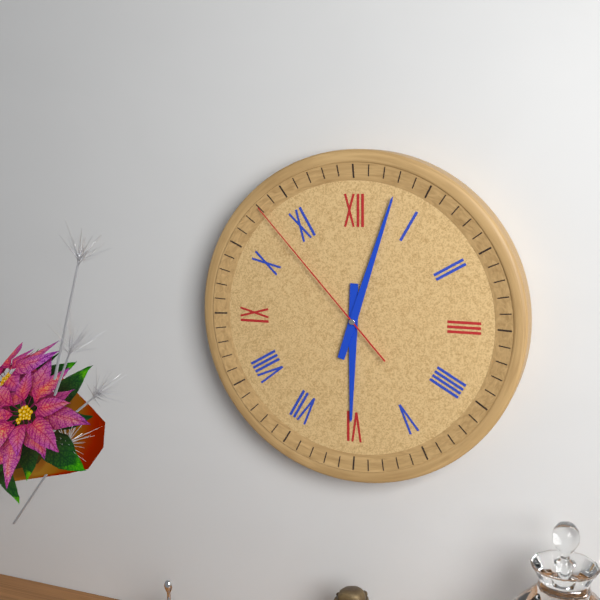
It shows 6 h 03 min 53 s
